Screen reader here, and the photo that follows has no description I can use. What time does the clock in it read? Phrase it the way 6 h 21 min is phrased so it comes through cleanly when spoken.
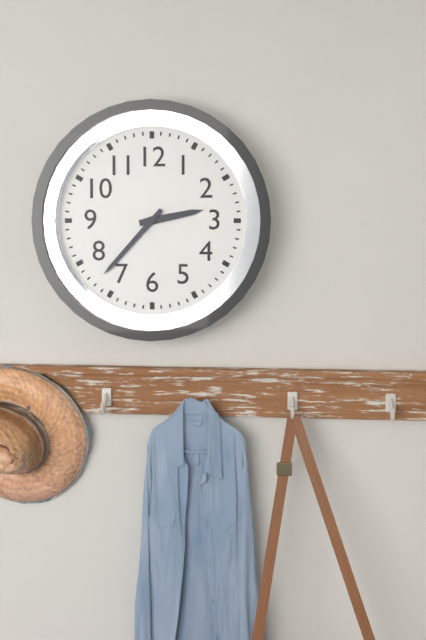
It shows 2 h 37 min
